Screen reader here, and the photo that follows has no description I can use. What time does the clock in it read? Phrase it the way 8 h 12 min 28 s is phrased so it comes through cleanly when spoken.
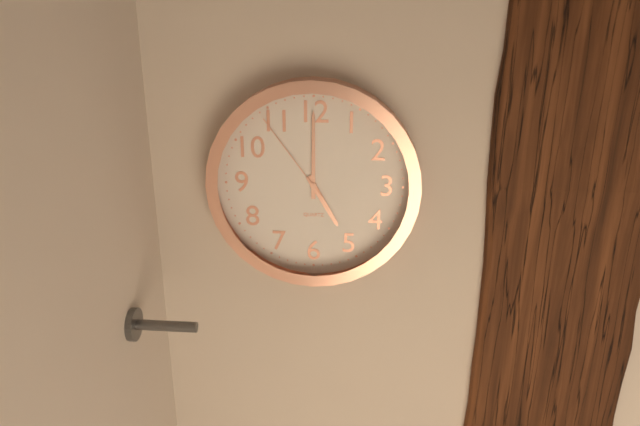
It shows 5 h 00 min 54 s
